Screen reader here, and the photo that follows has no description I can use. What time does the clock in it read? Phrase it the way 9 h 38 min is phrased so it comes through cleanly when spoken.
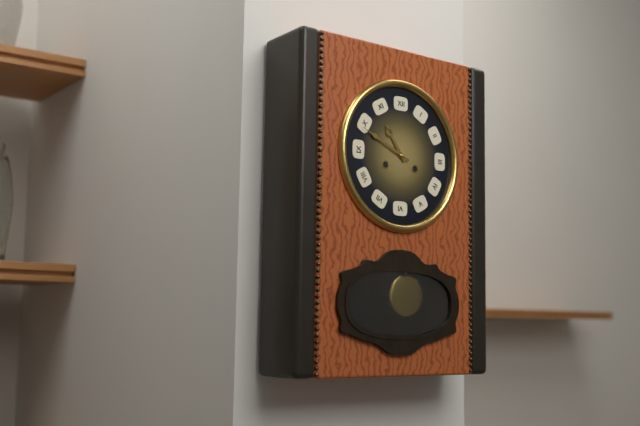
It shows 10 h 49 min
